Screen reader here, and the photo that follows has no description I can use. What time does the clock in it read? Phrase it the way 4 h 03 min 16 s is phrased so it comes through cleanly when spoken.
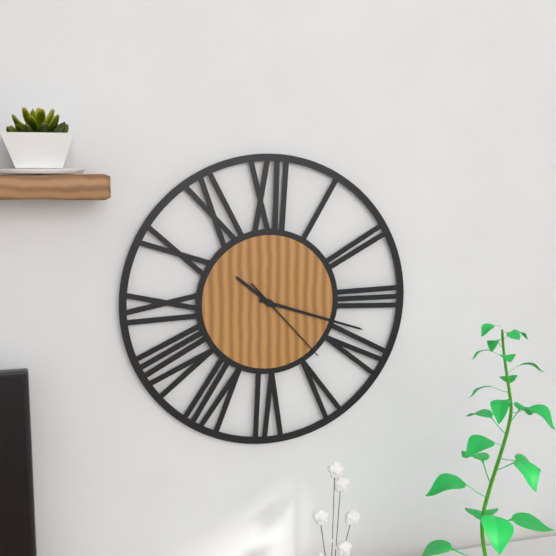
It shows 10 h 18 min 23 s
